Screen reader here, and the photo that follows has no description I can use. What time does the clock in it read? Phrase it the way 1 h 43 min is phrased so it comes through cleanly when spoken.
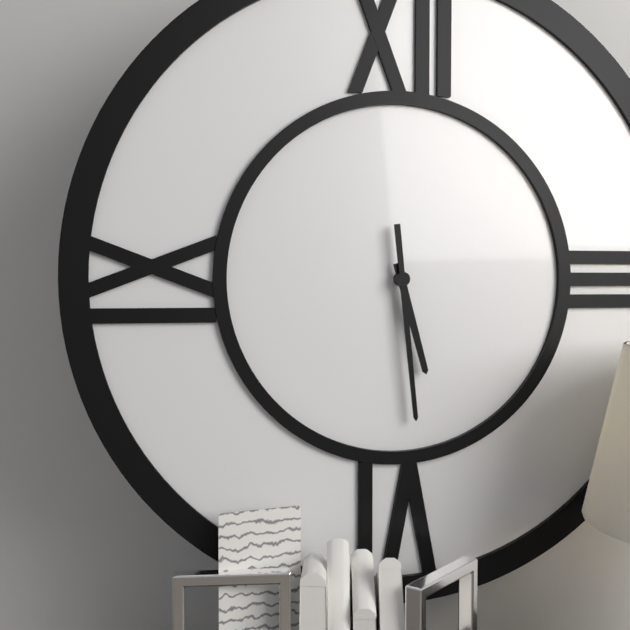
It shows 5 h 29 min
